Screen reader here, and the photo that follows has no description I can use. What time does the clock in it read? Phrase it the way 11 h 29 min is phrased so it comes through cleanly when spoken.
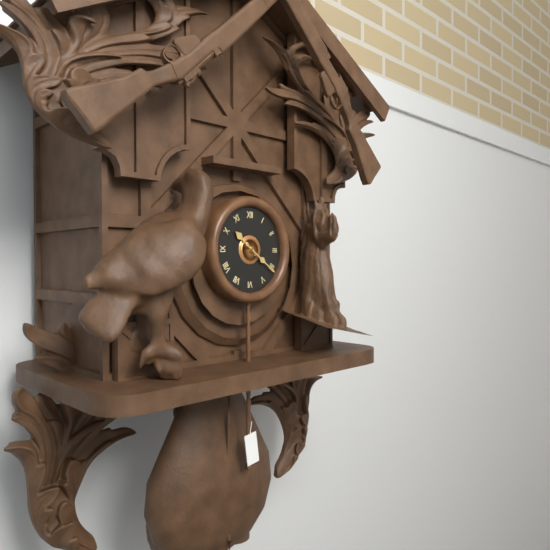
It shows 10 h 21 min
